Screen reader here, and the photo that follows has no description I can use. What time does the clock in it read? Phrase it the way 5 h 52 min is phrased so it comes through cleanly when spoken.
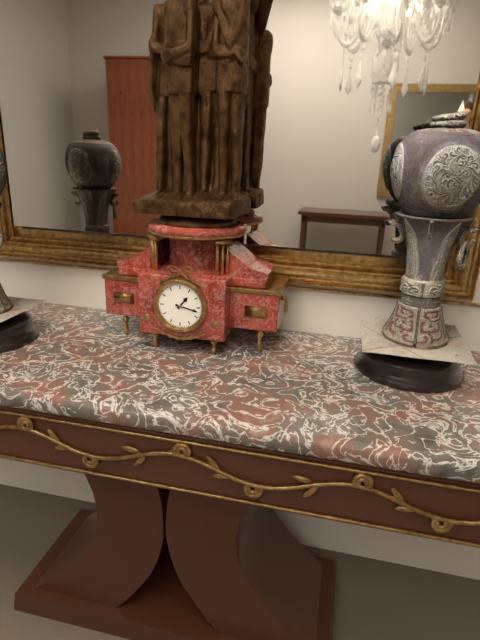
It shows 1 h 17 min
